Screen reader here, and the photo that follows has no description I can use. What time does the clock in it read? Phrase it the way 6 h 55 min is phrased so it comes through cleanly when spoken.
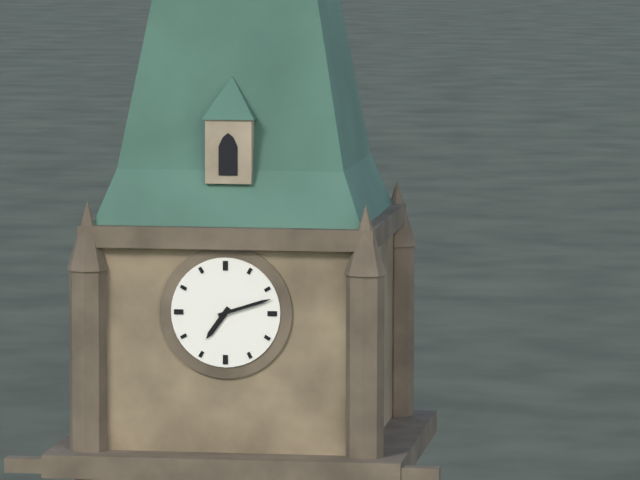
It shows 7 h 12 min
